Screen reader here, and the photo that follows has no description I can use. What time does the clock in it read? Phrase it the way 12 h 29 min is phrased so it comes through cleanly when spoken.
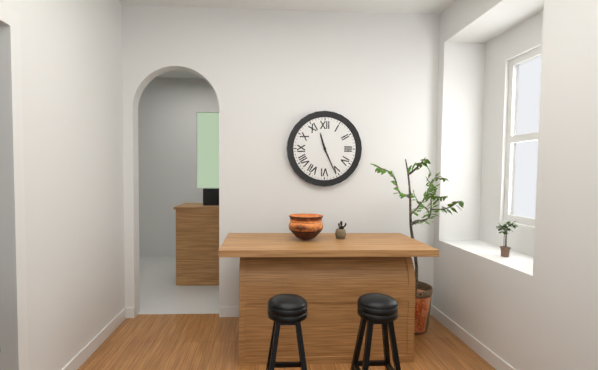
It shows 11 h 26 min
